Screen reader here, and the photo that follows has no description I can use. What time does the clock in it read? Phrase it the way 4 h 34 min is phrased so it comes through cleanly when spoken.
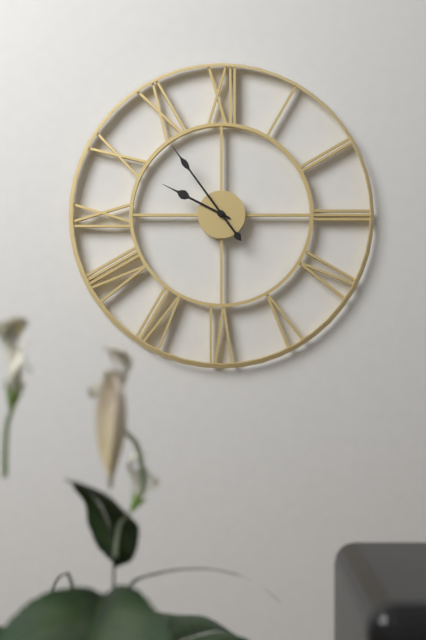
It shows 9 h 54 min
